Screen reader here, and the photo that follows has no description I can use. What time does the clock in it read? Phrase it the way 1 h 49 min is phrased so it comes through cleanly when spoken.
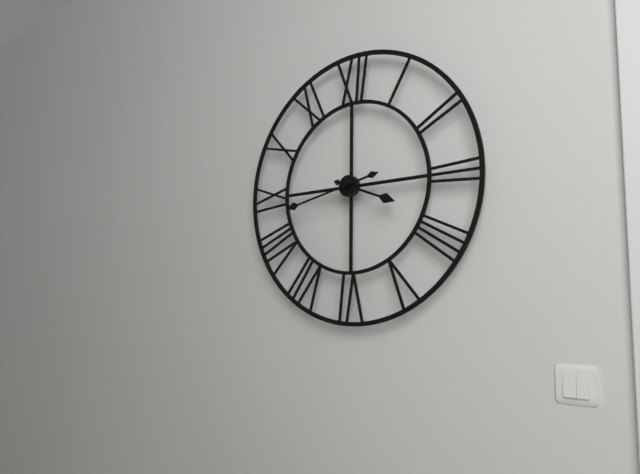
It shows 3 h 43 min
